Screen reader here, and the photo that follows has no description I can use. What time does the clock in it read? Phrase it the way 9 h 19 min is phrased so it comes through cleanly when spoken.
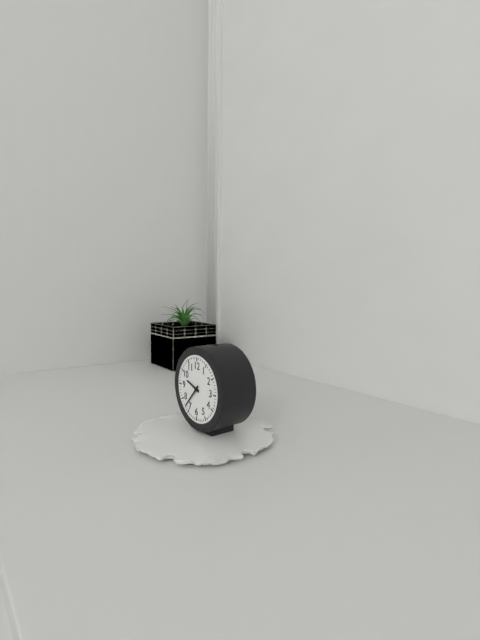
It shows 9 h 37 min
